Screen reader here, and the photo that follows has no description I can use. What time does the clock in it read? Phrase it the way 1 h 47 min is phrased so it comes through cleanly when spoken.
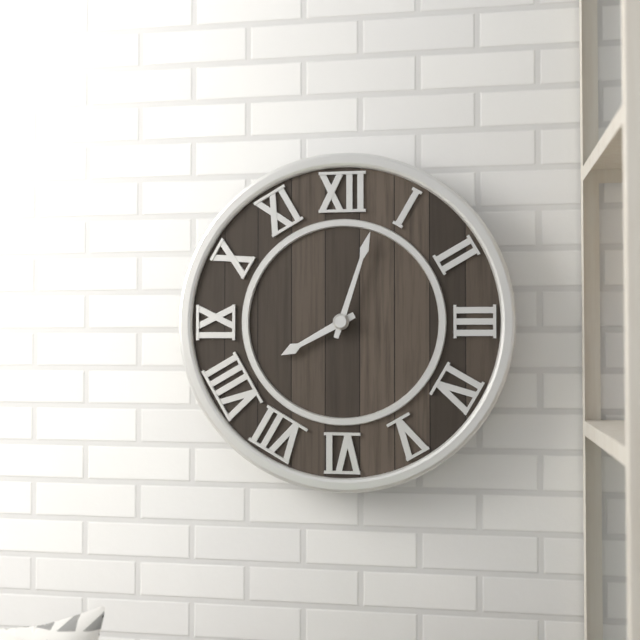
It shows 8 h 03 min
